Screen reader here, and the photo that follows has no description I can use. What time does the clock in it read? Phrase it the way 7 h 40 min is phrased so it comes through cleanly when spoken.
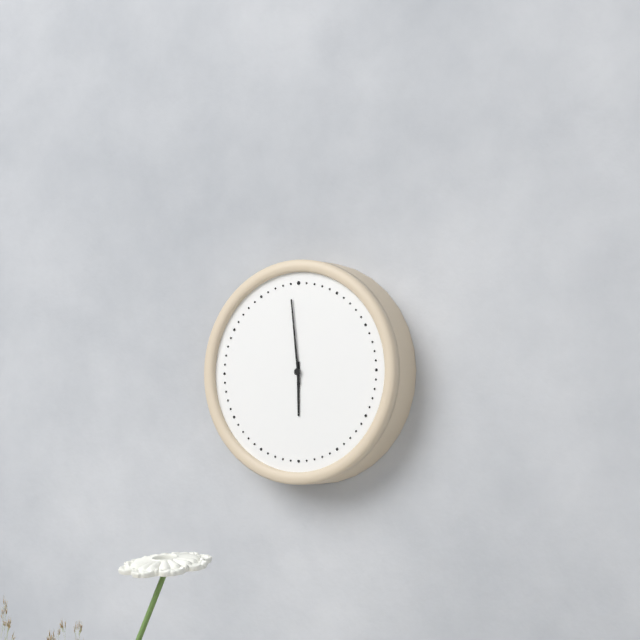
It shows 5 h 59 min
